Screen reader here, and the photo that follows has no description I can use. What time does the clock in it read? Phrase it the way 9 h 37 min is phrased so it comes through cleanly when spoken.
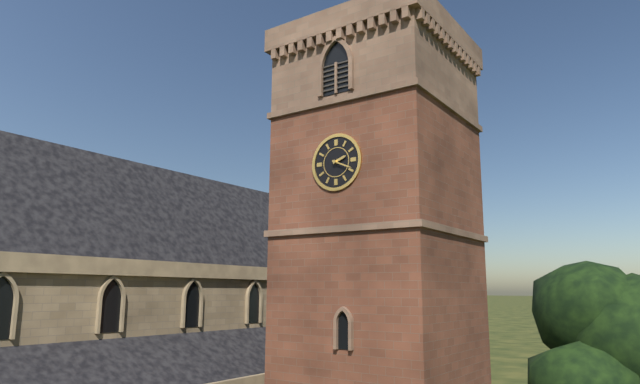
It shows 2 h 19 min
